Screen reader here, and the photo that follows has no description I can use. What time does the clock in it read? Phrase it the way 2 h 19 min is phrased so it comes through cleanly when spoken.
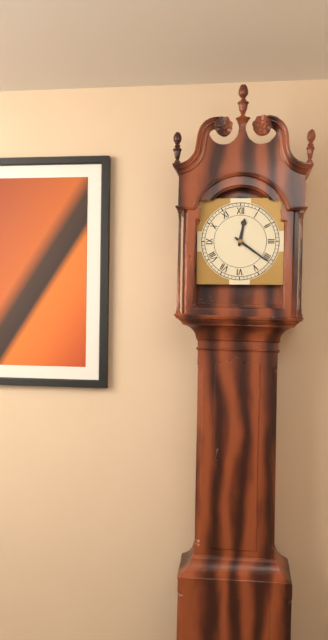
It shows 12 h 21 min
